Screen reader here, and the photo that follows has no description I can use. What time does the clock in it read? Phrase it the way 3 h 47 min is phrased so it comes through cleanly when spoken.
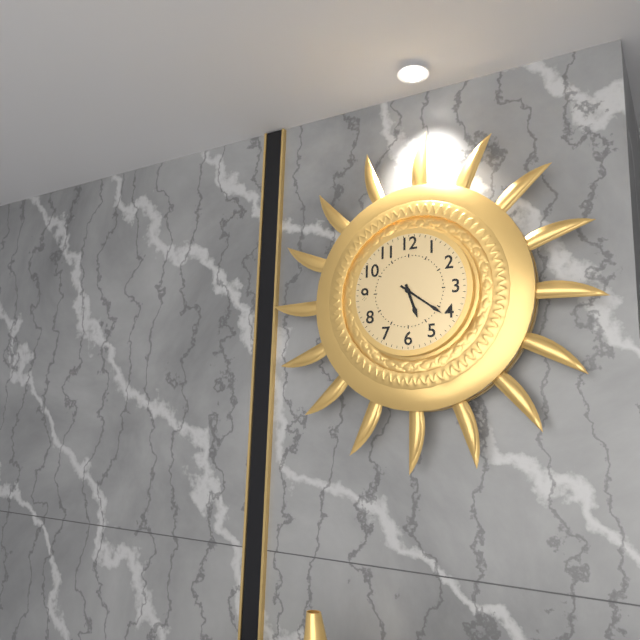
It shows 5 h 21 min
